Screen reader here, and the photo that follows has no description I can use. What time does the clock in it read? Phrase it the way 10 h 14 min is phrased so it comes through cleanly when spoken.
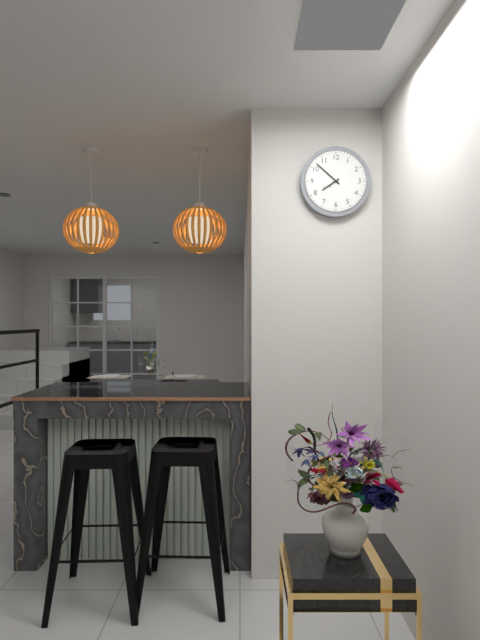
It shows 7 h 52 min
